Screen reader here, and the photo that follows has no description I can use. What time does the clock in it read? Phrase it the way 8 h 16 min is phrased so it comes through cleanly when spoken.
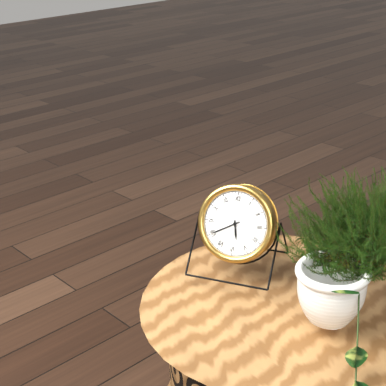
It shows 5 h 40 min
